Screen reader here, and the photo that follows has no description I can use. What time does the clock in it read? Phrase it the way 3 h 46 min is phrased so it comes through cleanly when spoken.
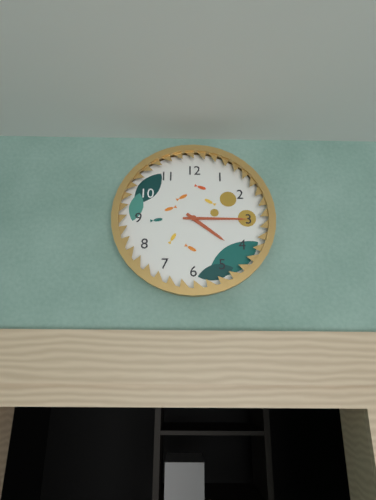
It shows 4 h 15 min
